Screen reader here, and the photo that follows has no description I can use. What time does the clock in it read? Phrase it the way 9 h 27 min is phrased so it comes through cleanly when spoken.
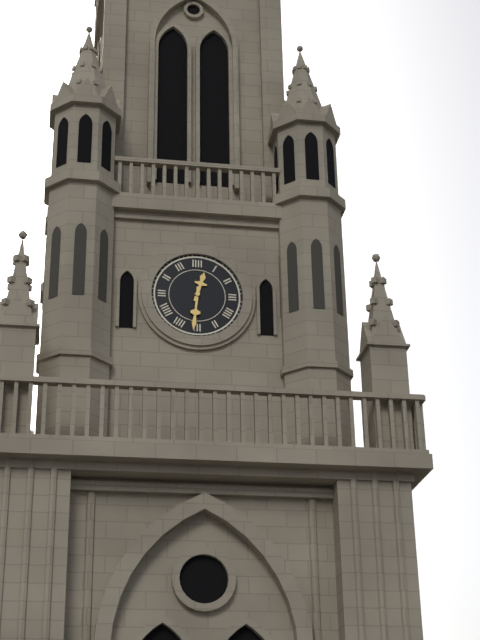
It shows 12 h 31 min
